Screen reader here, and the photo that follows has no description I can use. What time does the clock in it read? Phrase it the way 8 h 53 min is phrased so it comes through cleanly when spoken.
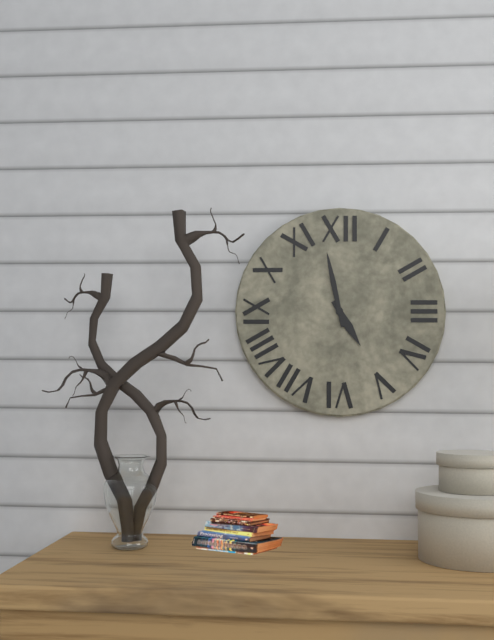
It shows 4 h 58 min
